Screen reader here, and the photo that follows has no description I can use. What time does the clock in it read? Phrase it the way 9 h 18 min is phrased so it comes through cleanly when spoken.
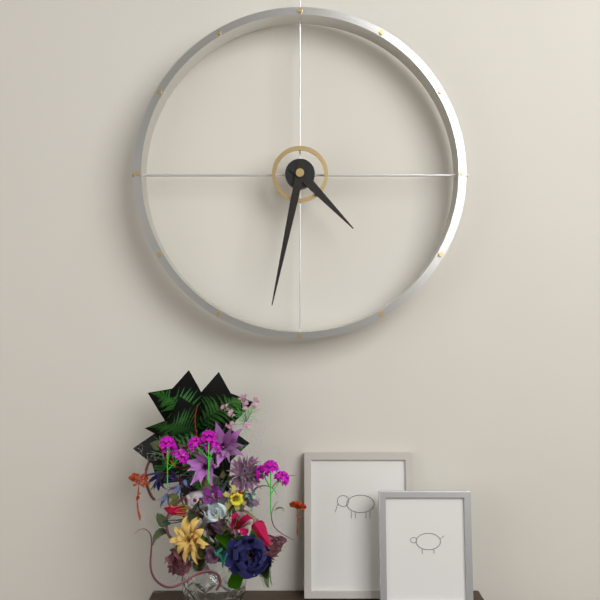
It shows 4 h 32 min
